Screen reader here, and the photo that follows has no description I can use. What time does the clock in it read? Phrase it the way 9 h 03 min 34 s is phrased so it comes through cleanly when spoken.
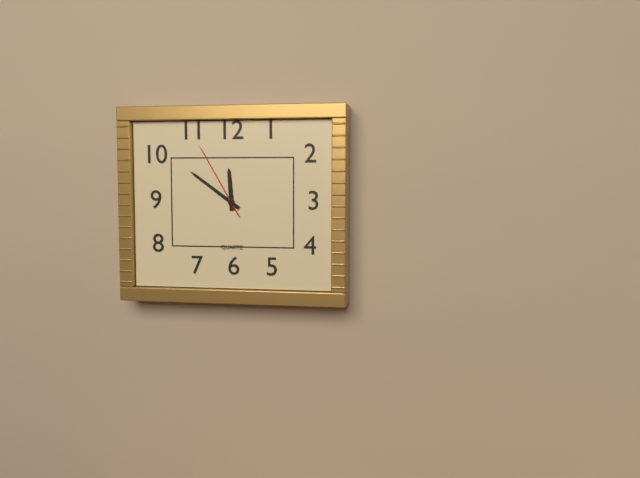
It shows 11 h 51 min 55 s
